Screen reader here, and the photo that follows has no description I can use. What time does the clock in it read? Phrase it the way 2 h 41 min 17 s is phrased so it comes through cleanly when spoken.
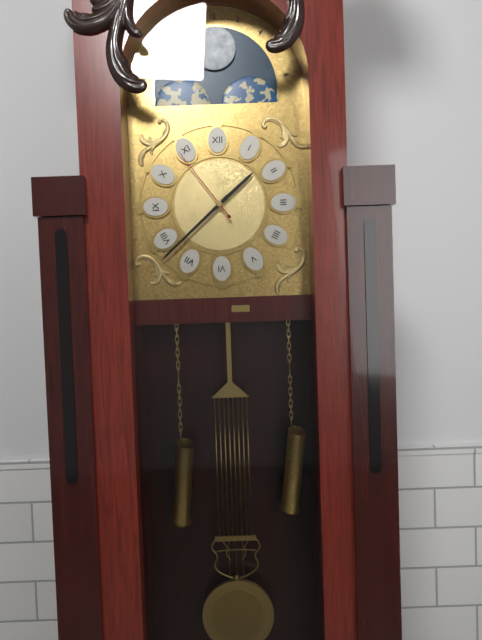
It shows 1 h 38 min 54 s
